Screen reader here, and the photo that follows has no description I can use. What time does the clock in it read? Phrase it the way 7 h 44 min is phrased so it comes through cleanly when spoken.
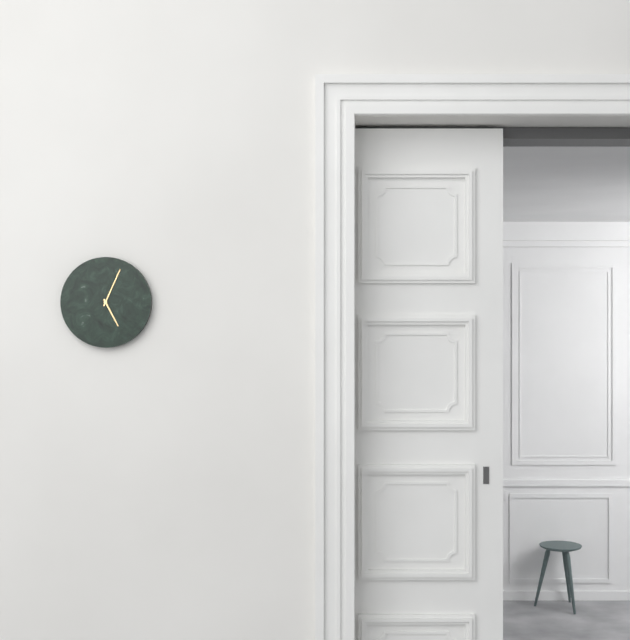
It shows 5 h 04 min
